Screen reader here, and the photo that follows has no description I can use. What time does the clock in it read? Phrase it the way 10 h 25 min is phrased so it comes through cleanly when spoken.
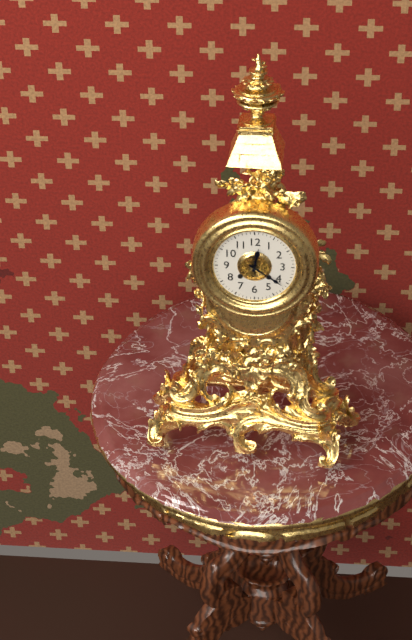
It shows 12 h 21 min
